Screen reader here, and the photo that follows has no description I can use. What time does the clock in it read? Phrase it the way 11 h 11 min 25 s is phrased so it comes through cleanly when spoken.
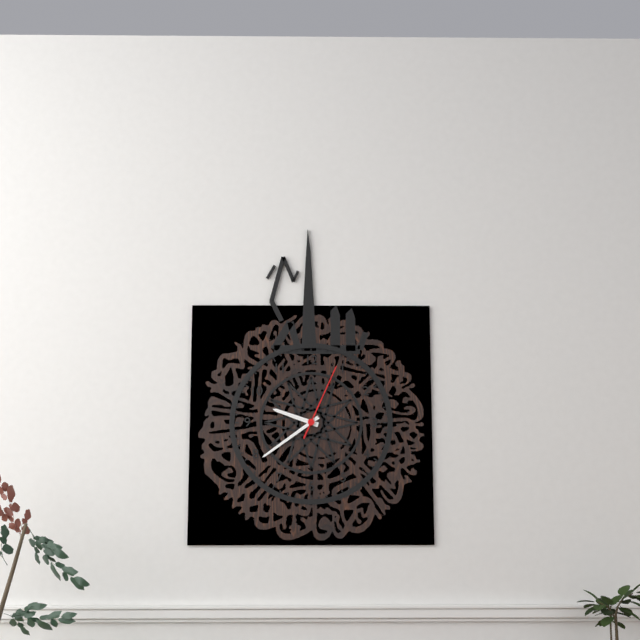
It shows 9 h 39 min 04 s
